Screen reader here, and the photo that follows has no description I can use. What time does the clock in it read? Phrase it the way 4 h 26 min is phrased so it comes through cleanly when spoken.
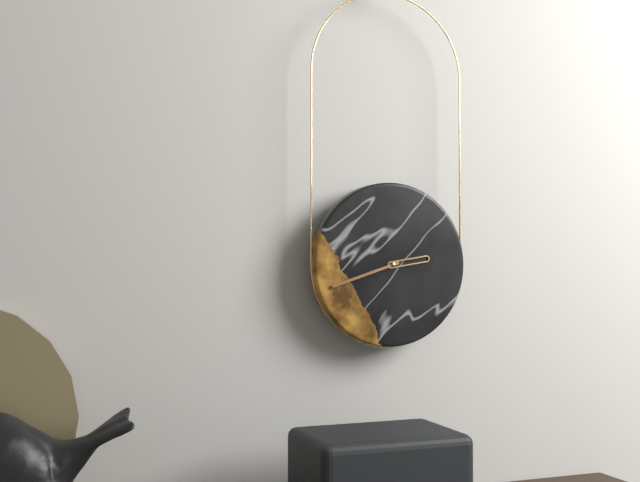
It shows 2 h 42 min
